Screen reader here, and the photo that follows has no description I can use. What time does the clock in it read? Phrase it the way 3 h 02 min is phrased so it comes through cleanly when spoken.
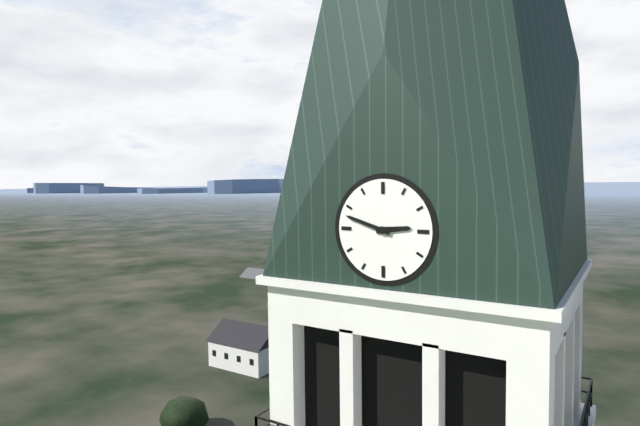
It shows 2 h 48 min
